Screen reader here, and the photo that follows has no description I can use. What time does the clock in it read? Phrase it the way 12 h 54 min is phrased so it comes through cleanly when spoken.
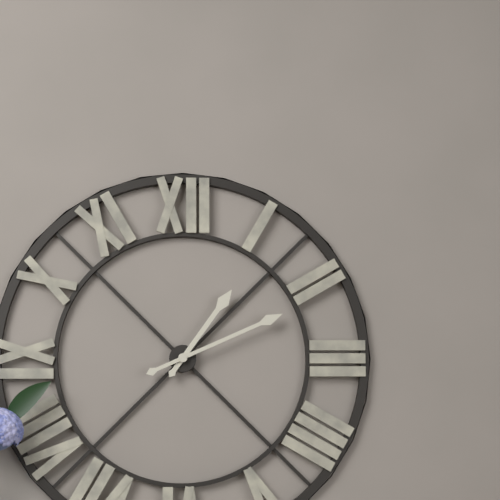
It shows 1 h 11 min
